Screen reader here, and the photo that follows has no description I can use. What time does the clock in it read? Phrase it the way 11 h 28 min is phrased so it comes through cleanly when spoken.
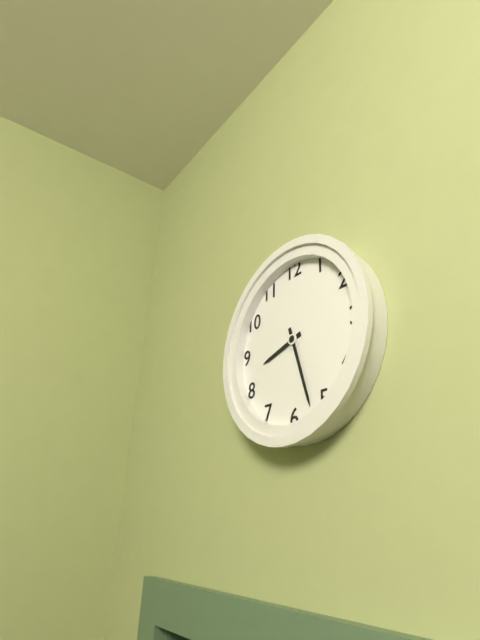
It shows 8 h 27 min
